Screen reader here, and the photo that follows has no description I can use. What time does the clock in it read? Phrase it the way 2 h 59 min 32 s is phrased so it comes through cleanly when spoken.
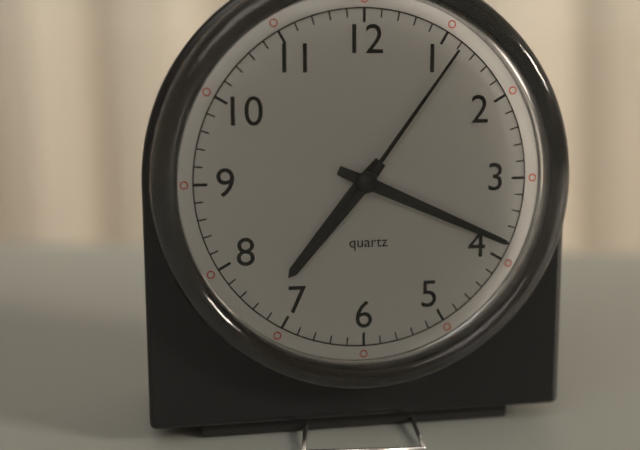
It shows 7 h 19 min 06 s
